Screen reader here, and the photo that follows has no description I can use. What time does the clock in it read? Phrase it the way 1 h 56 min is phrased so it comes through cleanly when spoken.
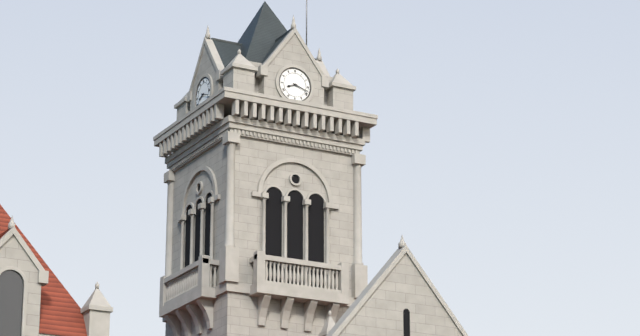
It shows 8 h 18 min
